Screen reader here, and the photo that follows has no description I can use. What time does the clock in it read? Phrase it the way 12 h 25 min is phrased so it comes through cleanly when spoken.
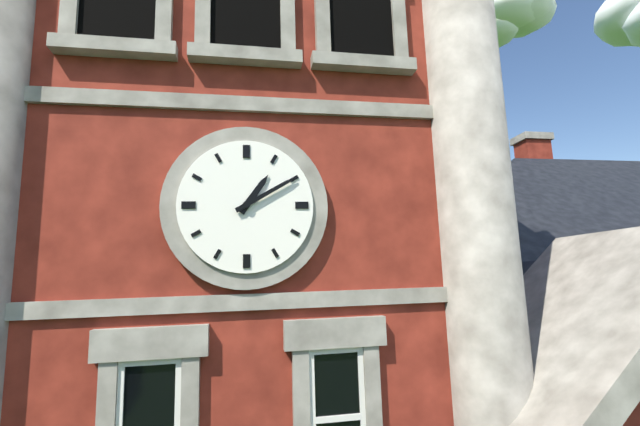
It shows 1 h 10 min
